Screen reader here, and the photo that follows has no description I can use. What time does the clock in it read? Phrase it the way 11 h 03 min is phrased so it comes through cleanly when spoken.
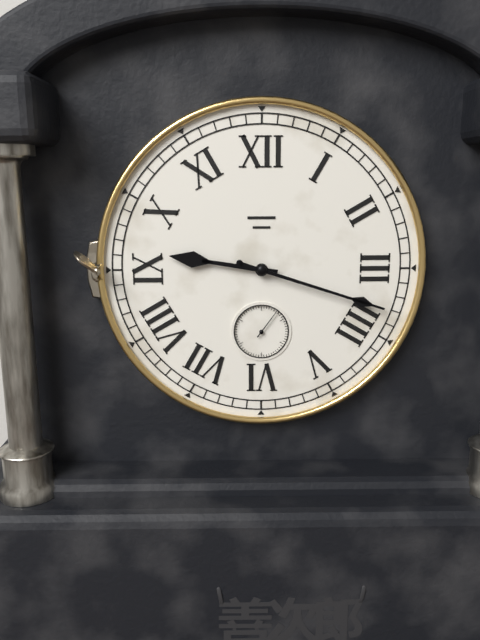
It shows 9 h 18 min
